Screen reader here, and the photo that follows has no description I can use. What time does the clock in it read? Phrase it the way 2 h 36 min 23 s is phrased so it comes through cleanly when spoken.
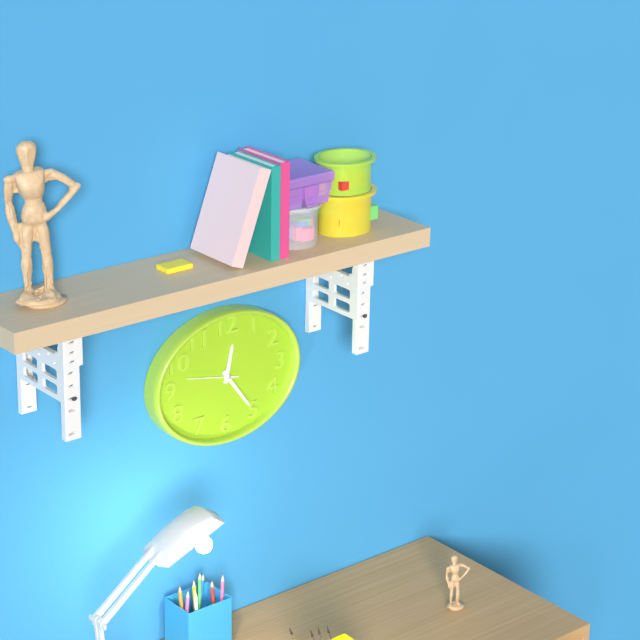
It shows 12 h 24 min 47 s
